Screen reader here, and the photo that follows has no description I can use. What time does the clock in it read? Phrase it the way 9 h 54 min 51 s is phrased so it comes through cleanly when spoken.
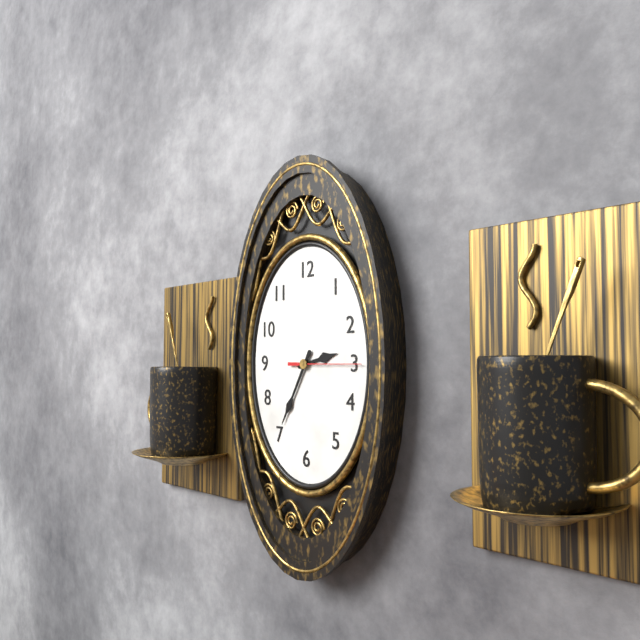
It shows 2 h 35 min 15 s
